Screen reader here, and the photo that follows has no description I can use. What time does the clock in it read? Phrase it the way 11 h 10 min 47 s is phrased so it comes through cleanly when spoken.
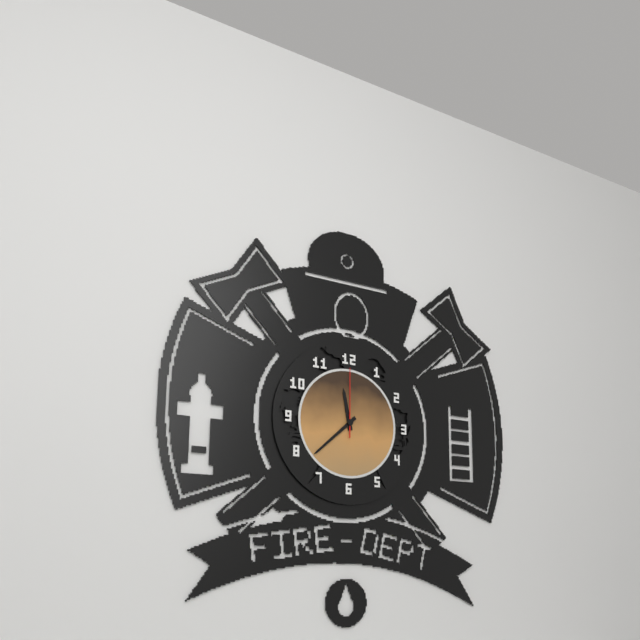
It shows 11 h 38 min 00 s
